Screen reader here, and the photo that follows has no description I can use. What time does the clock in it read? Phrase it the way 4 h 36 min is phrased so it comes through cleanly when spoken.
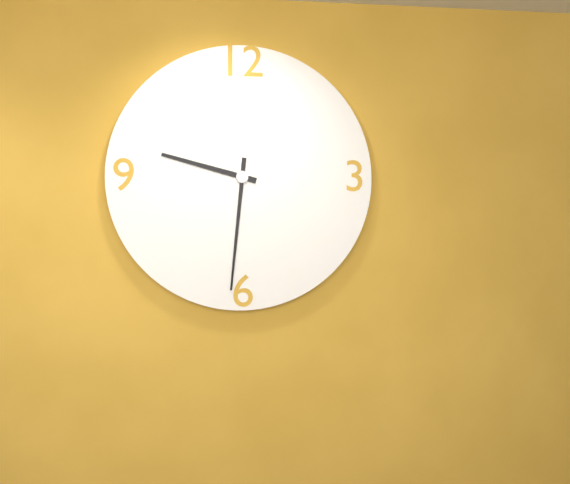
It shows 9 h 31 min
